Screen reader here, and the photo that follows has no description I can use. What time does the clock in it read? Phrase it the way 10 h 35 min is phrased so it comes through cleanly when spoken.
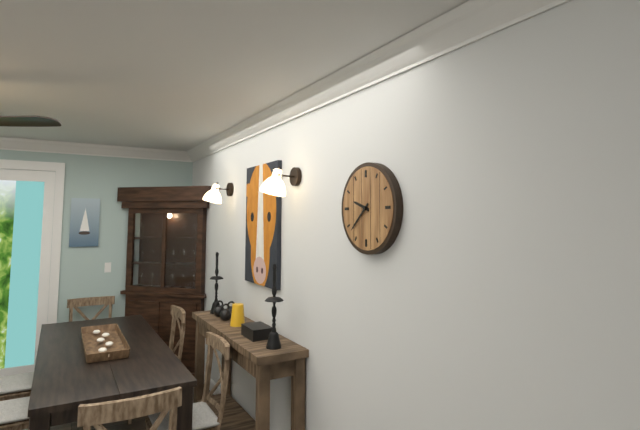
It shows 9 h 38 min
